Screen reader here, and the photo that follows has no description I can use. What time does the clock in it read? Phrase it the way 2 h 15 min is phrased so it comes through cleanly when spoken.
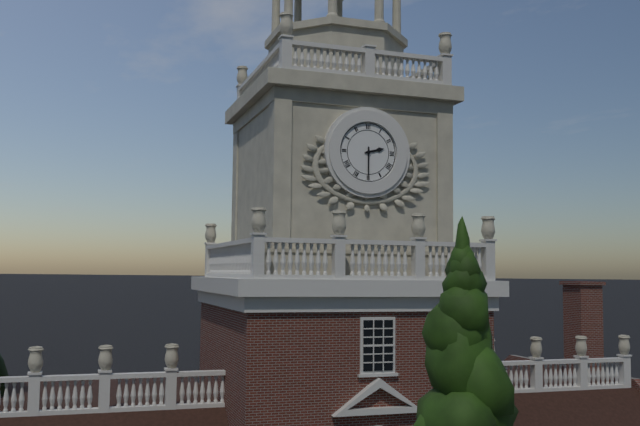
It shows 2 h 30 min
